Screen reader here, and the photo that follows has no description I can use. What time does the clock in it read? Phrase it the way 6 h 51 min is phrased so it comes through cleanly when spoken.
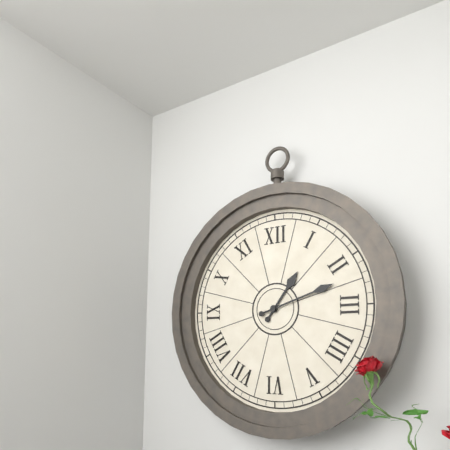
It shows 1 h 12 min
